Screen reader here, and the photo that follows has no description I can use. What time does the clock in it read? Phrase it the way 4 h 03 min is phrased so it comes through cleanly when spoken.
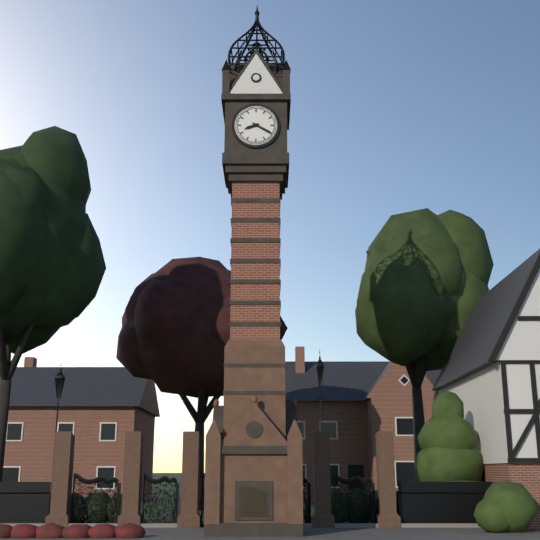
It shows 8 h 20 min
